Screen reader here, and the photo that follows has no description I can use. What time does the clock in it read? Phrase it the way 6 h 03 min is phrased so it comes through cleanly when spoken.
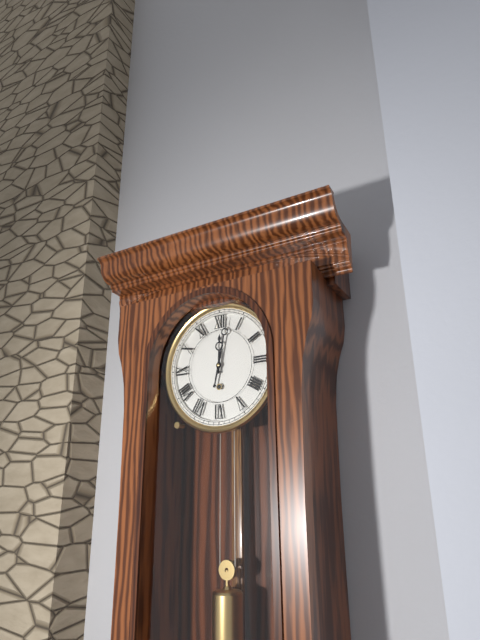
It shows 12 h 02 min
